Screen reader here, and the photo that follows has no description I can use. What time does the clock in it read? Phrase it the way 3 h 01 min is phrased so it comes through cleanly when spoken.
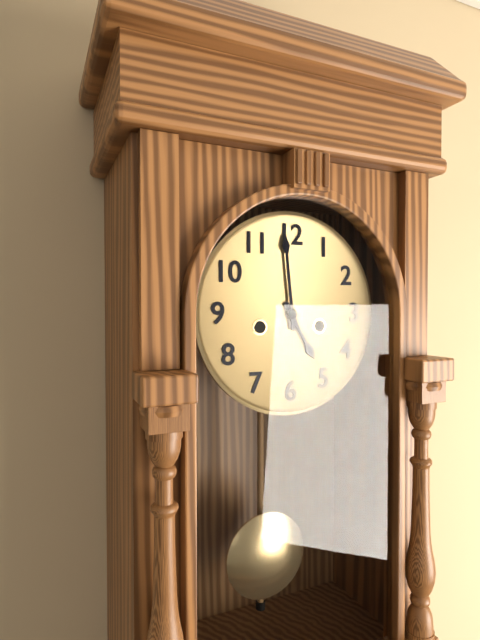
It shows 4 h 59 min
